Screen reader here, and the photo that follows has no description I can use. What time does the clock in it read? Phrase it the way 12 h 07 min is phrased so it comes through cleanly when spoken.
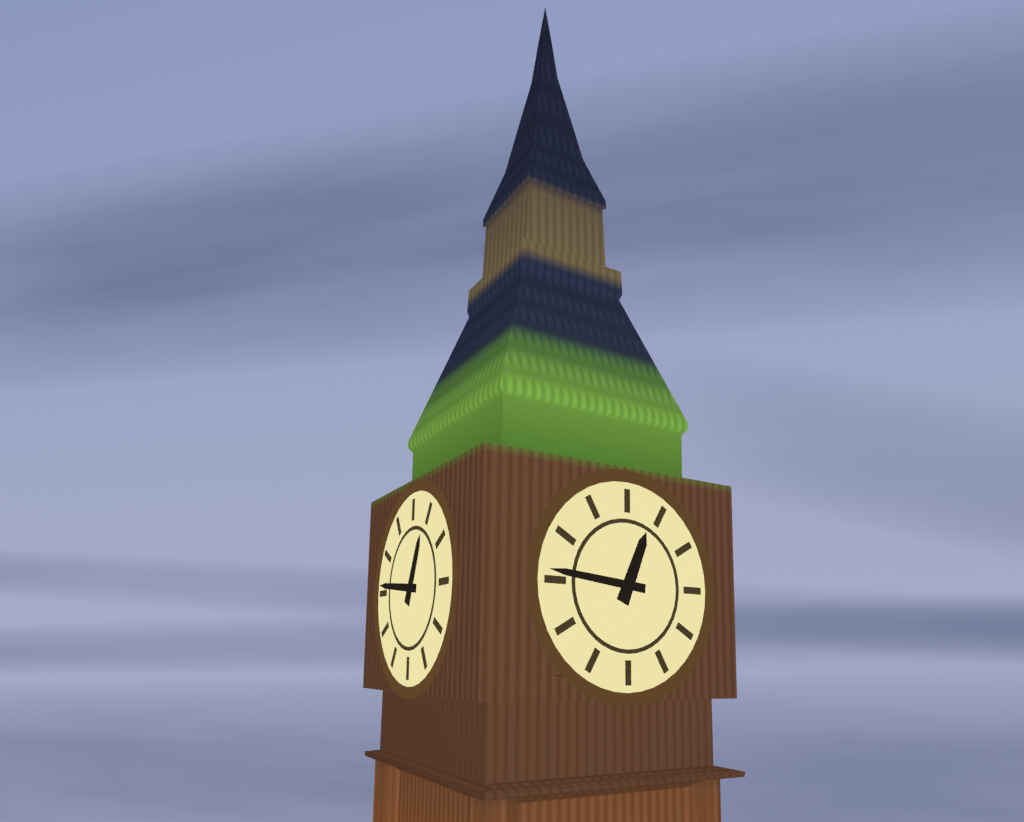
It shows 12 h 46 min
